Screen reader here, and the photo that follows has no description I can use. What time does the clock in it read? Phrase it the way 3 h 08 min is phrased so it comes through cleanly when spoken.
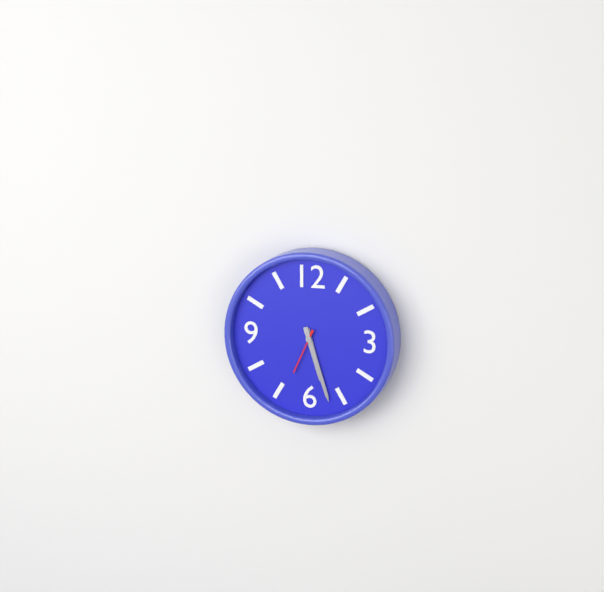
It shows 5 h 27 min
